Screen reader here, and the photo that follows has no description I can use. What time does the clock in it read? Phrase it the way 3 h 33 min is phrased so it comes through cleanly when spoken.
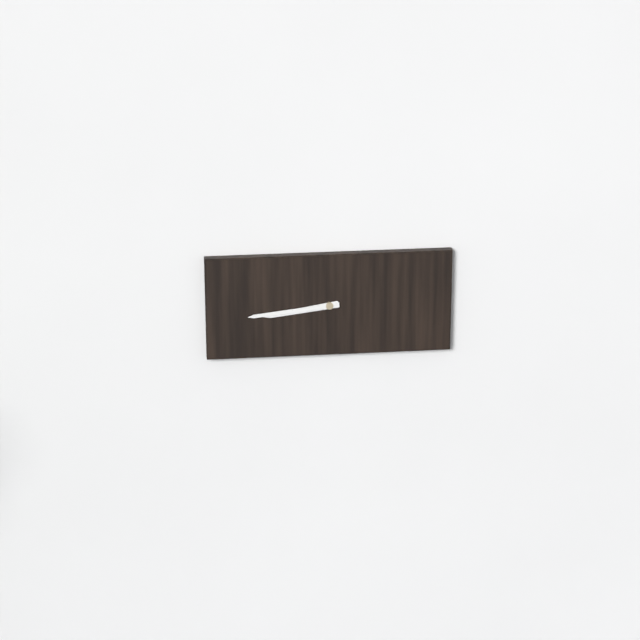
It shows 8 h 44 min
